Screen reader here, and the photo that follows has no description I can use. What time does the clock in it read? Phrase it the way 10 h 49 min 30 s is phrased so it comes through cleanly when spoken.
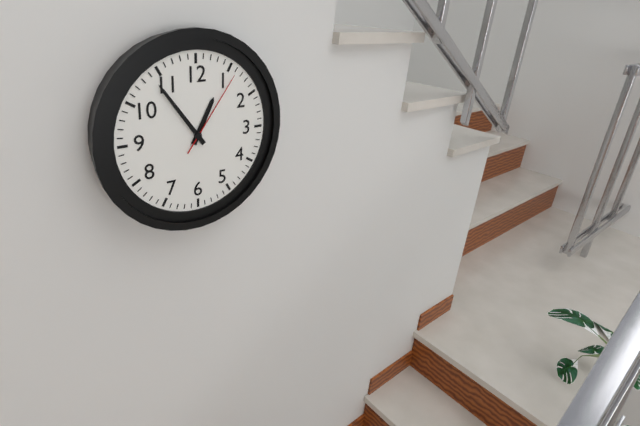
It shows 12 h 54 min 06 s
